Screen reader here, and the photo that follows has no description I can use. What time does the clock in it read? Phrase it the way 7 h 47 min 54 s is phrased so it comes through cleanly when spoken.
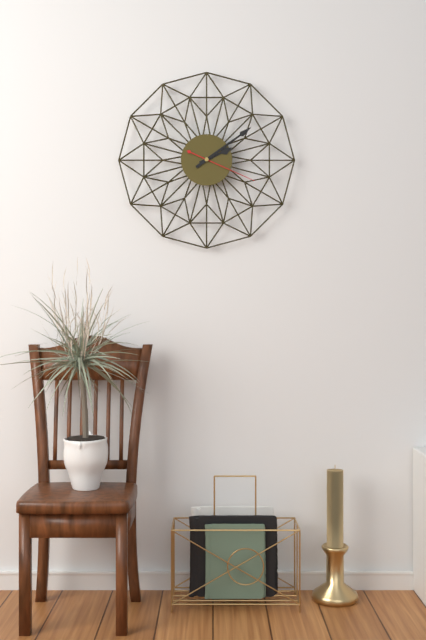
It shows 2 h 09 min 19 s
